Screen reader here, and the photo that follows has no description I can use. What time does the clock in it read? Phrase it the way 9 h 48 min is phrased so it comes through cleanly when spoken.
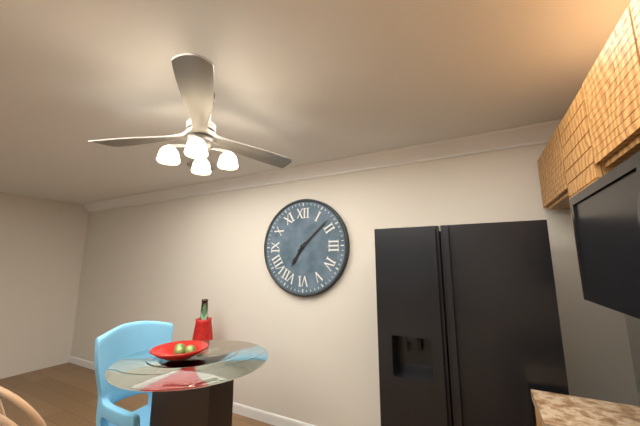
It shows 7 h 08 min
